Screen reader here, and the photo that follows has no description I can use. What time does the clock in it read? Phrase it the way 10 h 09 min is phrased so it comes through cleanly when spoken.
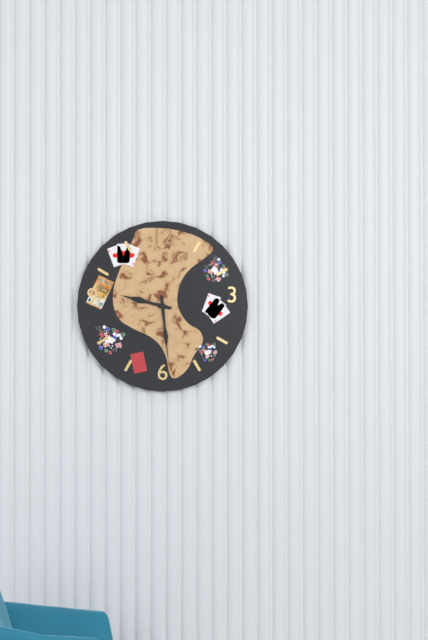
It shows 9 h 29 min
